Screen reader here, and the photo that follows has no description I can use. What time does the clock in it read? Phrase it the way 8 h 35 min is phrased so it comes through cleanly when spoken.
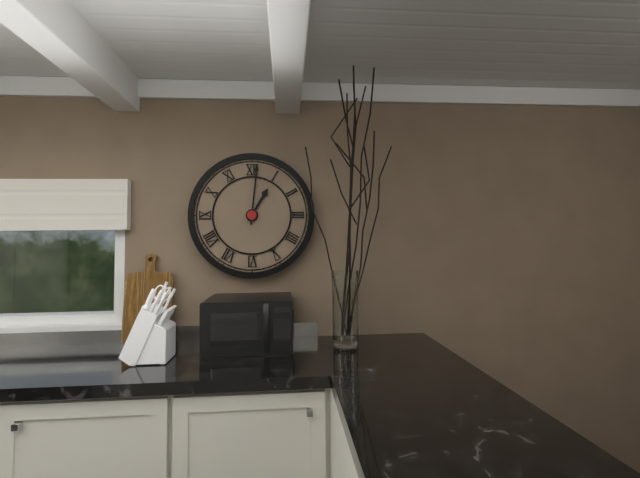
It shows 1 h 01 min
